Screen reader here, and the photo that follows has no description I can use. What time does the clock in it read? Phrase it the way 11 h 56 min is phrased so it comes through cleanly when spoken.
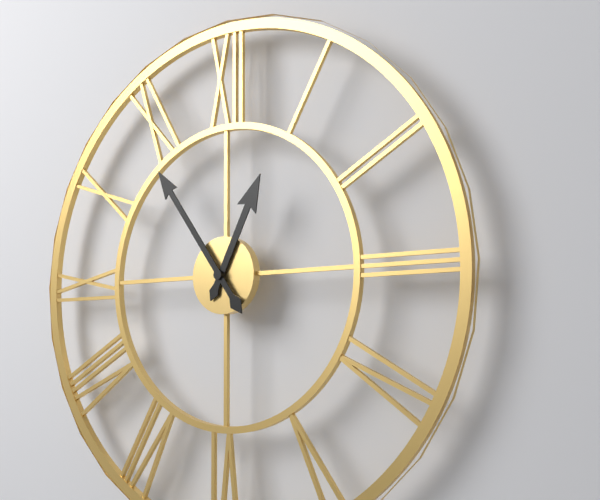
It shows 12 h 54 min
